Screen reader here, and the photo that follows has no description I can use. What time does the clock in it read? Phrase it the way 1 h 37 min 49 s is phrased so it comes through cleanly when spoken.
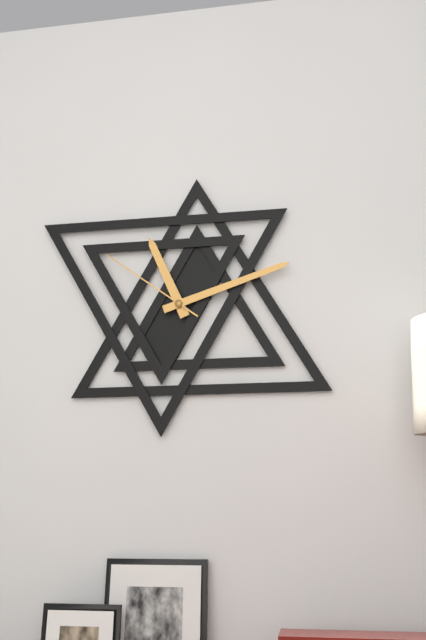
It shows 11 h 12 min 51 s
